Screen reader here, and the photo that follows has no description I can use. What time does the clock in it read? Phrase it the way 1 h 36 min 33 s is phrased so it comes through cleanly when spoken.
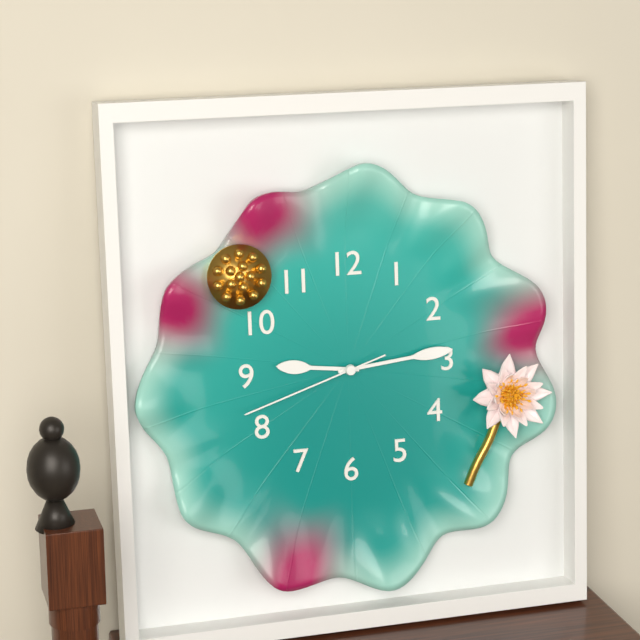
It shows 9 h 14 min 42 s
